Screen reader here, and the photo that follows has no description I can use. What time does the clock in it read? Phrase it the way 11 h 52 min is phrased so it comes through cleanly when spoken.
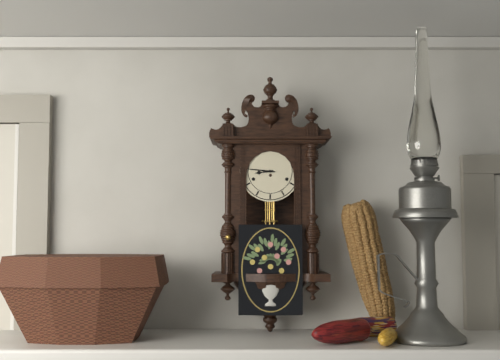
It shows 8 h 46 min
